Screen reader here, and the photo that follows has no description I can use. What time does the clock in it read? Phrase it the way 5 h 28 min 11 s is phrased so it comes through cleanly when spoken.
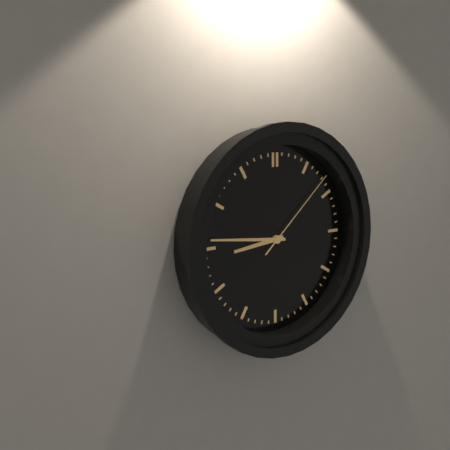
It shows 8 h 46 min 08 s
